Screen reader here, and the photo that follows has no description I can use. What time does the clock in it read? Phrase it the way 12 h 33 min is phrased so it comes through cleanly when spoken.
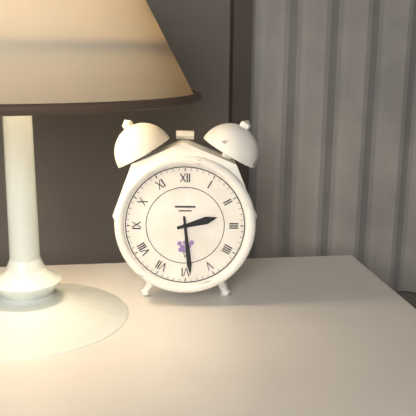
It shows 2 h 29 min
